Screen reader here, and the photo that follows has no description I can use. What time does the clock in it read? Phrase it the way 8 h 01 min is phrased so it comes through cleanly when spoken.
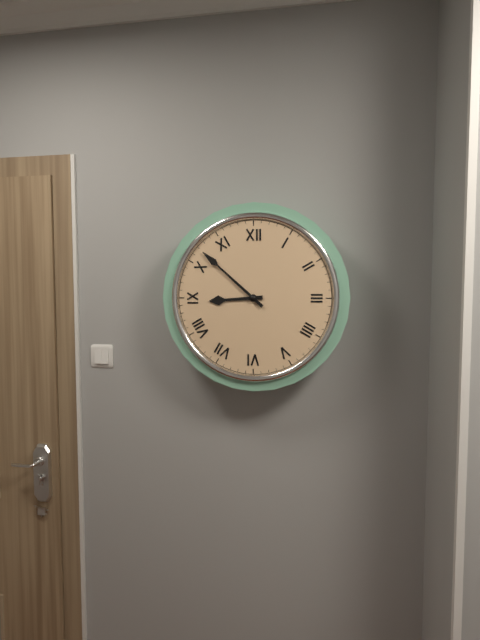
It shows 8 h 52 min
